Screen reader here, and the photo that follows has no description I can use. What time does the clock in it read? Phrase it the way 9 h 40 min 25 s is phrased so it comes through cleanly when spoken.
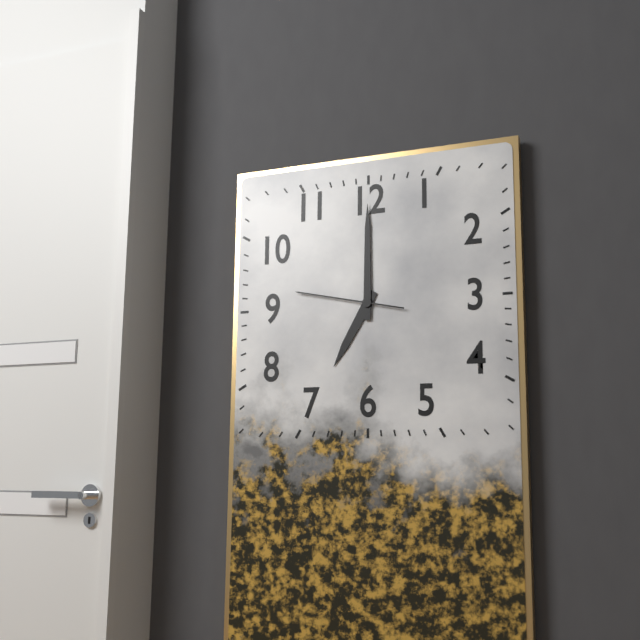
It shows 7 h 00 min 47 s
